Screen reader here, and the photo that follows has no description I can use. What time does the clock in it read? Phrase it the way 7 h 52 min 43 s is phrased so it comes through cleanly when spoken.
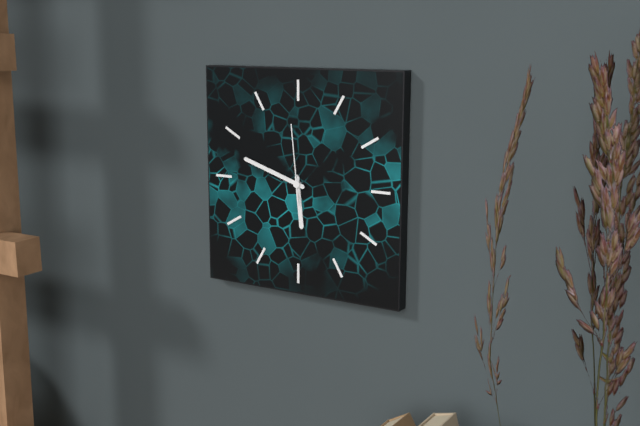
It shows 5 h 48 min 59 s
